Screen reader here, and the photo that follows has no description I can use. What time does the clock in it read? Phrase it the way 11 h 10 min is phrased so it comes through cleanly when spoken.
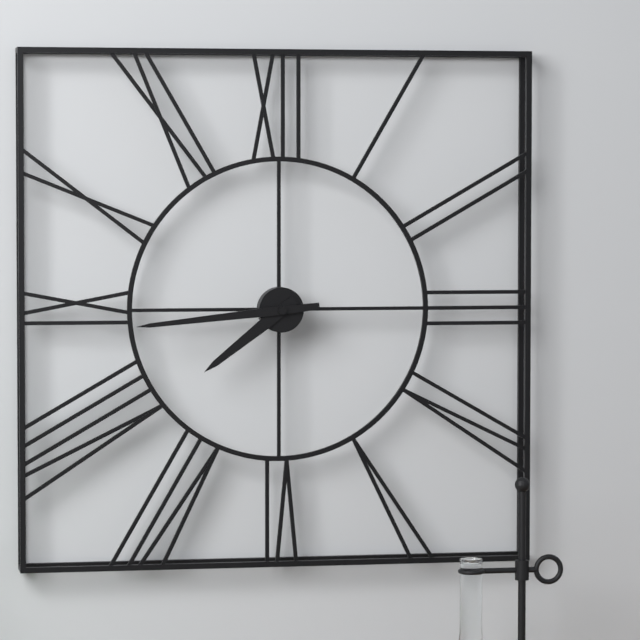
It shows 7 h 44 min
